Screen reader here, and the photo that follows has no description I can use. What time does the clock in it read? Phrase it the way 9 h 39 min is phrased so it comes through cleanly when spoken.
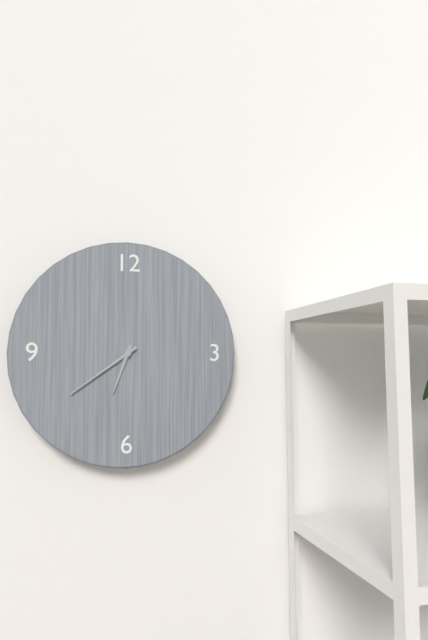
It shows 6 h 39 min
